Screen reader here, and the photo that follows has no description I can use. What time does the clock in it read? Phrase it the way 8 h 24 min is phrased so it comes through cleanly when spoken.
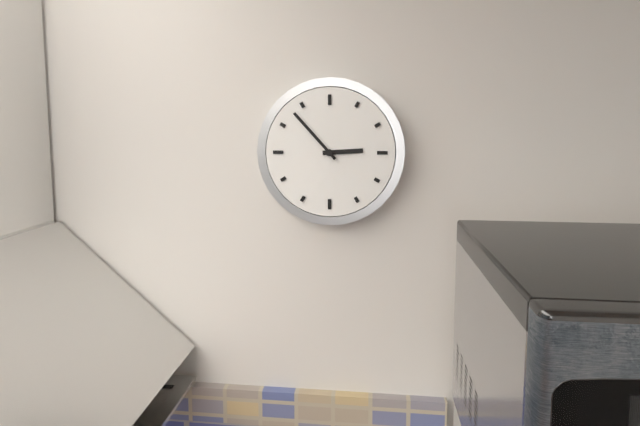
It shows 2 h 53 min
